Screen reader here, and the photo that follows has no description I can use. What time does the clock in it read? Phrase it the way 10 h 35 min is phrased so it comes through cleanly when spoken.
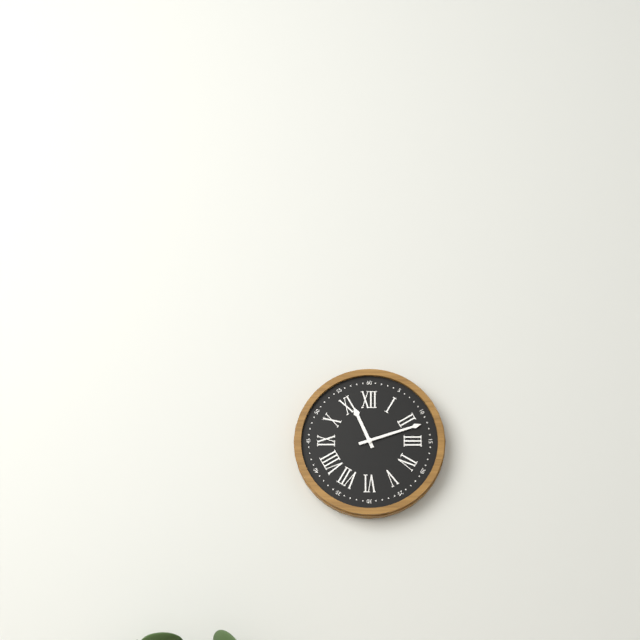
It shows 11 h 12 min
